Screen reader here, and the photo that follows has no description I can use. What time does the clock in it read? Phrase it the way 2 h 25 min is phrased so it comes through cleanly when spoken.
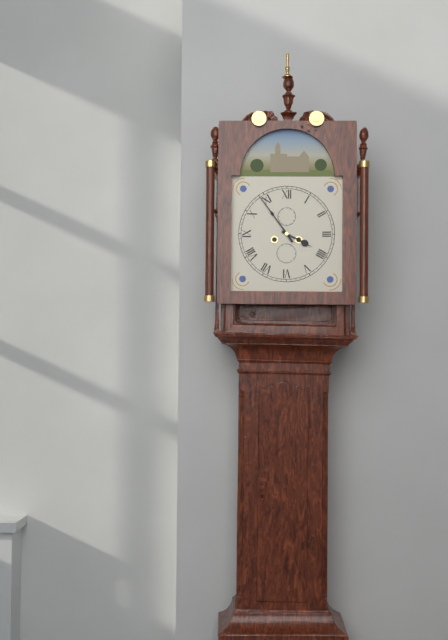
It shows 3 h 54 min
